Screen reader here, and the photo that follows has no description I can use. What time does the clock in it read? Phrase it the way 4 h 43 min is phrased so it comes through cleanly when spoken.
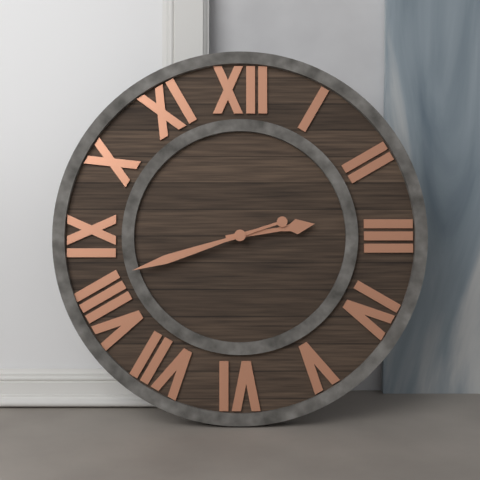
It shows 2 h 42 min
